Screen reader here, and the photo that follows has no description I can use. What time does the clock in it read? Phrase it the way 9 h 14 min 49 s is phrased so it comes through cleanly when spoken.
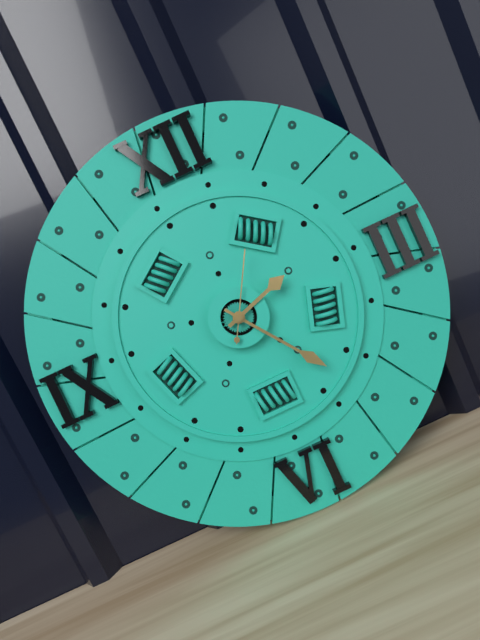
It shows 2 h 24 min 05 s
